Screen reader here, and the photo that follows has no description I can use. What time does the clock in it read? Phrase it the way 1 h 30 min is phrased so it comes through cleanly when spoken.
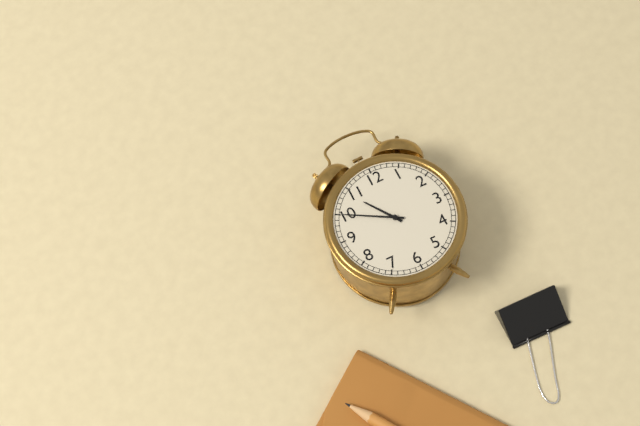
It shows 10 h 50 min
